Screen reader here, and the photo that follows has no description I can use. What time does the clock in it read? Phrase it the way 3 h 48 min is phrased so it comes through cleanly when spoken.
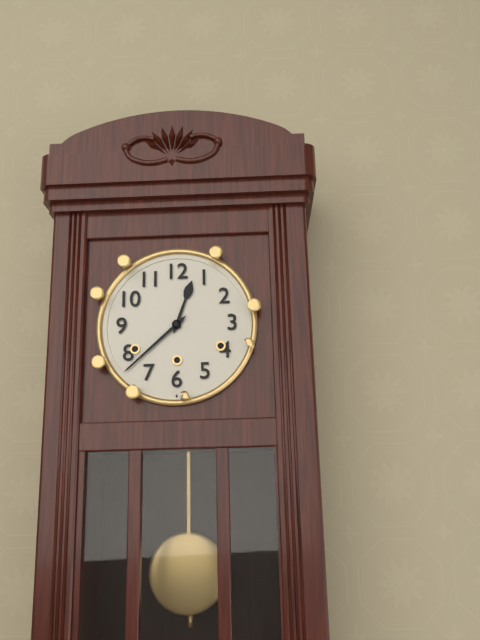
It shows 12 h 38 min
